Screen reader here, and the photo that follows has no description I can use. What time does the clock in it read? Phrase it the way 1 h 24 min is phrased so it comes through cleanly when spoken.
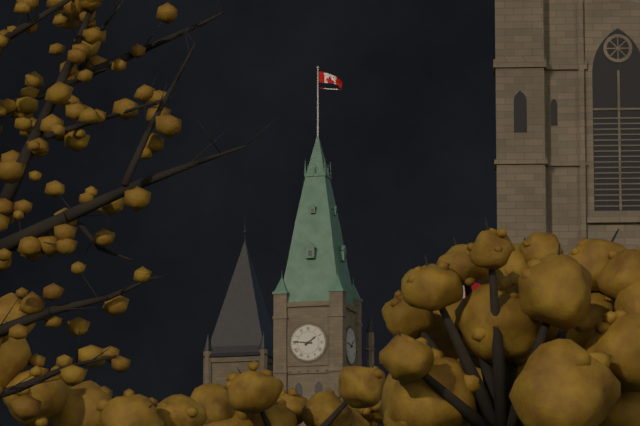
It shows 1 h 46 min
